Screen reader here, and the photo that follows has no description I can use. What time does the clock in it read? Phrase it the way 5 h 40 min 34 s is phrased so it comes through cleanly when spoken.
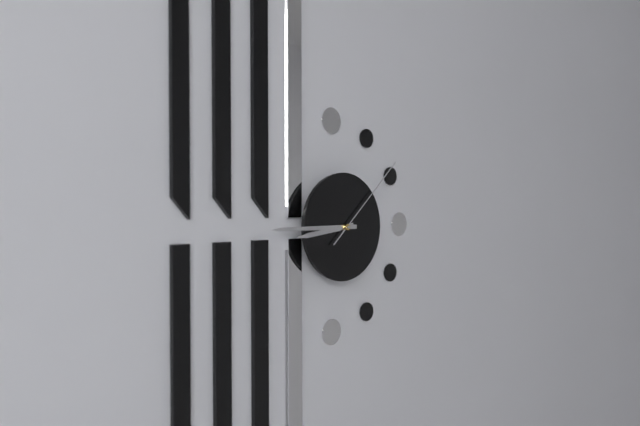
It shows 8 h 45 min 08 s
